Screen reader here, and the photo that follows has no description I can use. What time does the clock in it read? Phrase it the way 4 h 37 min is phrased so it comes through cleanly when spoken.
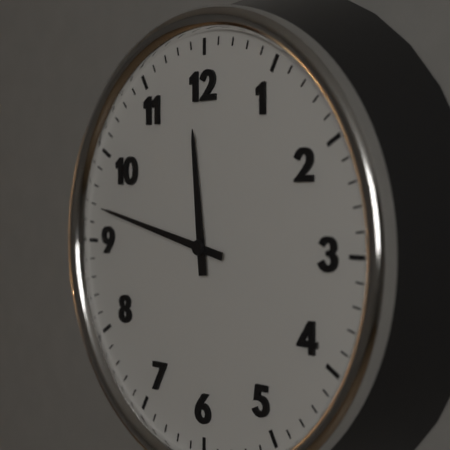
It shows 11 h 47 min
